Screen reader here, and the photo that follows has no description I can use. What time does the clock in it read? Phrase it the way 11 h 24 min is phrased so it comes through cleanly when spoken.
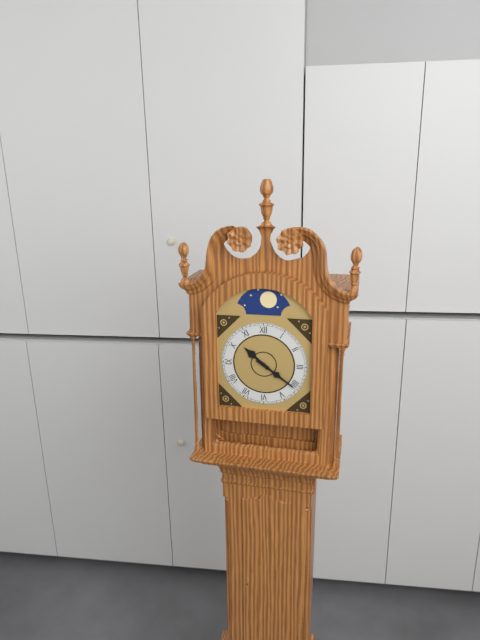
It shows 10 h 21 min
